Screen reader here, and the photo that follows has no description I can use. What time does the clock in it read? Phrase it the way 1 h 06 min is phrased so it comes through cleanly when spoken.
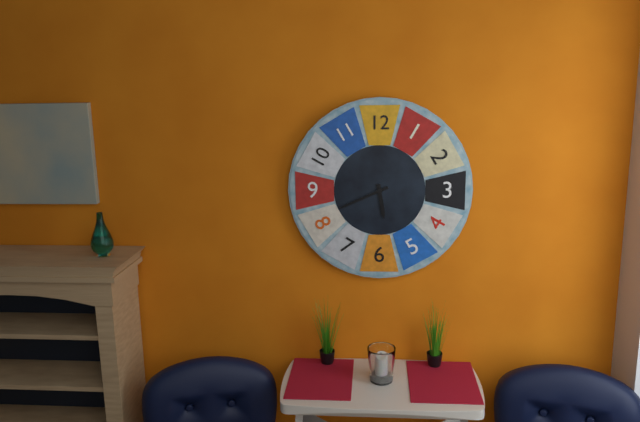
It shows 5 h 41 min
